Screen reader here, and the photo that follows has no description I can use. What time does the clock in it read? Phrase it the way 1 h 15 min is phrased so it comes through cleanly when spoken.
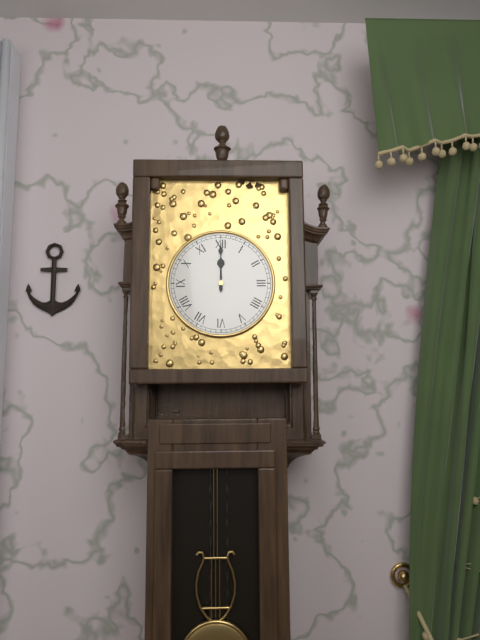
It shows 12 h 00 min
